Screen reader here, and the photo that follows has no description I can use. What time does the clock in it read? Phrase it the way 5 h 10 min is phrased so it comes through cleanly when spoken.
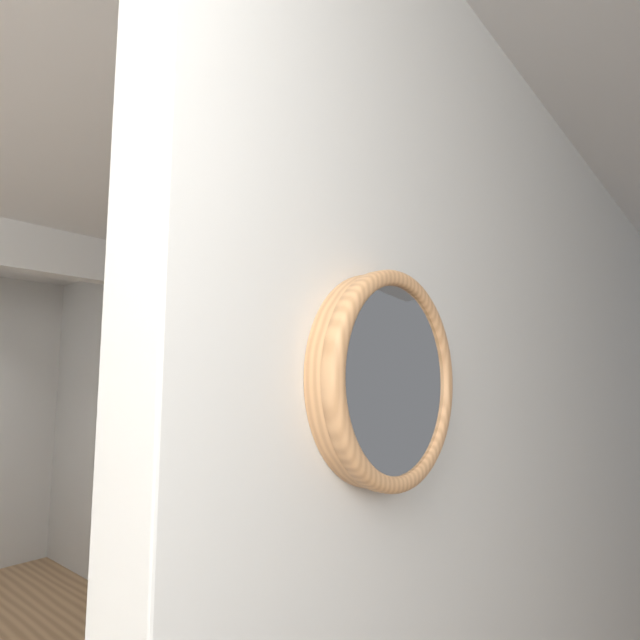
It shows 5 h 08 min
